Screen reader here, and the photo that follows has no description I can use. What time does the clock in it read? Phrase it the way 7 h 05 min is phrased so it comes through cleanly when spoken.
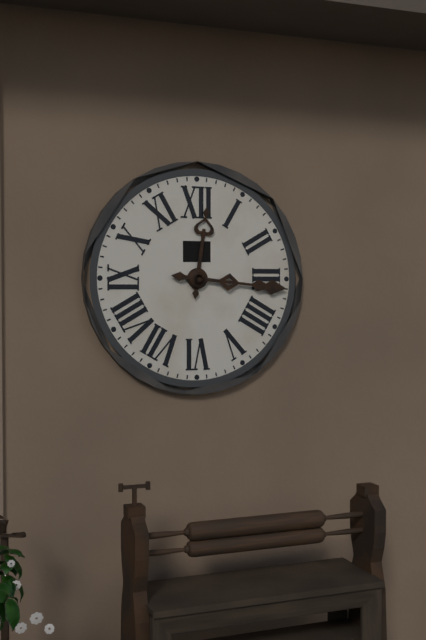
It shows 12 h 16 min
